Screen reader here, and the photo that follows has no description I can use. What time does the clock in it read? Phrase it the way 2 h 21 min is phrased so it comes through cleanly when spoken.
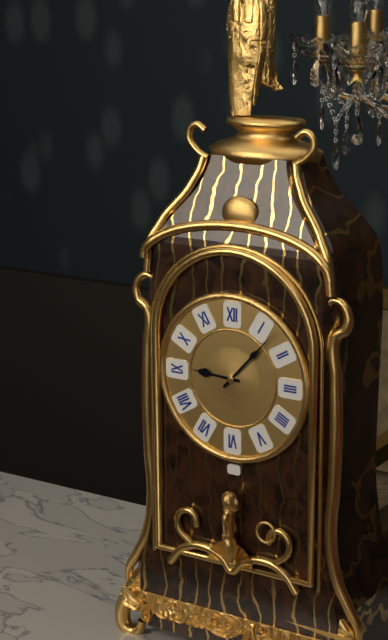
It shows 9 h 07 min
